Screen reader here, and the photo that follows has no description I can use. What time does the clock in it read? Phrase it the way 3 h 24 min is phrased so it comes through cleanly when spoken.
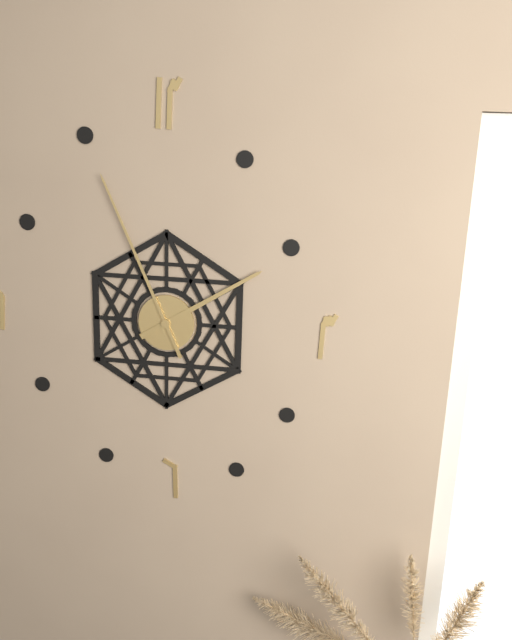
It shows 1 h 56 min
